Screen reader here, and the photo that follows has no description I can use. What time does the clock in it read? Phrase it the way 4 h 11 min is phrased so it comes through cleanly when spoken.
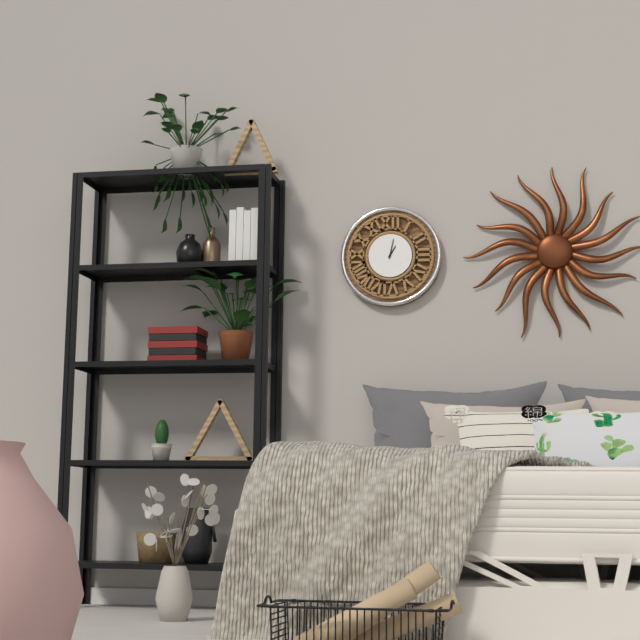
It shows 1 h 02 min
